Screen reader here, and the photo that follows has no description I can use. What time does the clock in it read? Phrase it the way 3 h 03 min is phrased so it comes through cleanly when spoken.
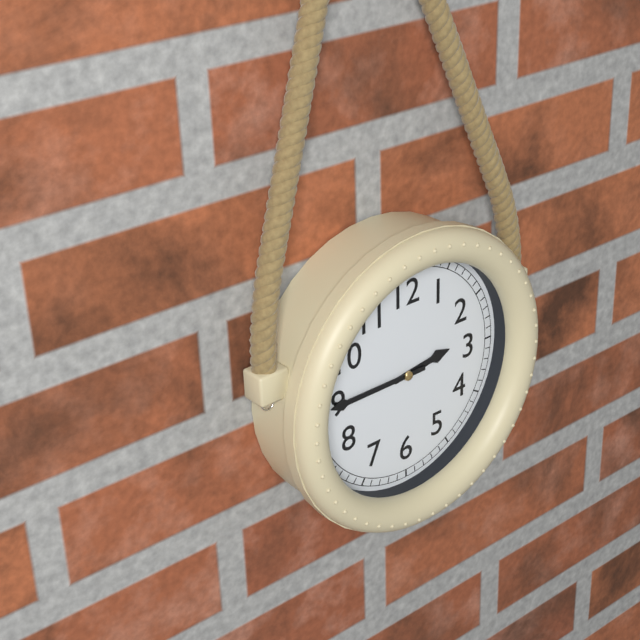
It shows 2 h 45 min
